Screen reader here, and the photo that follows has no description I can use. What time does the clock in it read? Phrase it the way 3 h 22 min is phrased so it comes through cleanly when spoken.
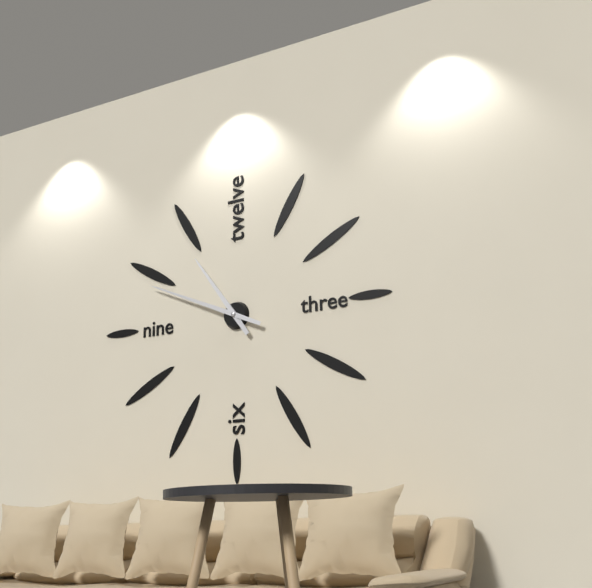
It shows 10 h 49 min
